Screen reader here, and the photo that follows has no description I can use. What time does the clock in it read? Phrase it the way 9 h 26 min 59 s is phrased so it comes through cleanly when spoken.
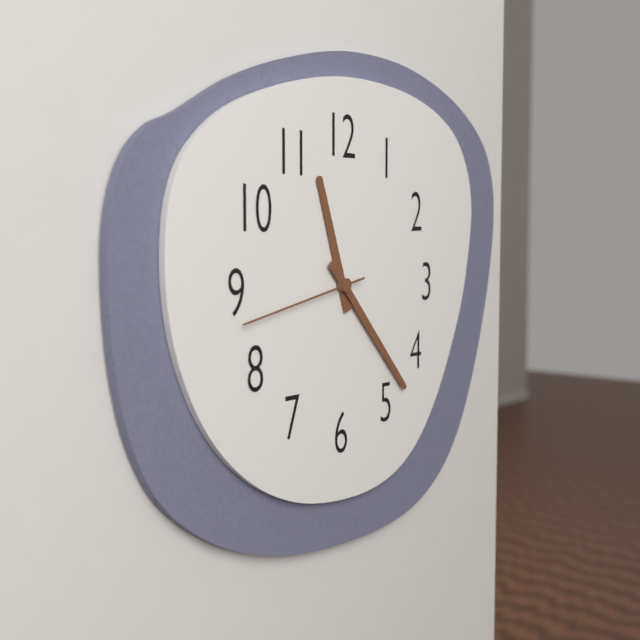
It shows 11 h 23 min 43 s
